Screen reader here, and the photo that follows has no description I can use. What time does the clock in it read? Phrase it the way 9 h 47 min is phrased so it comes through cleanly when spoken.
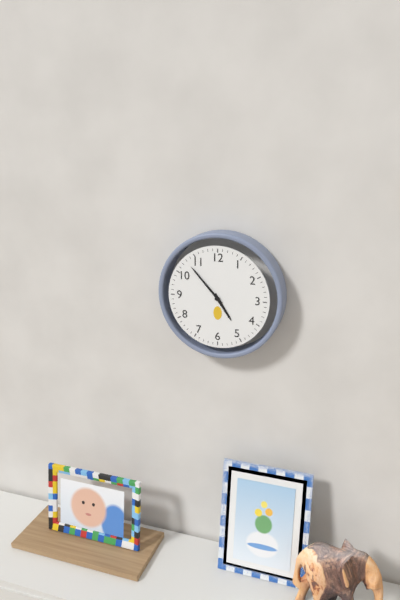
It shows 4 h 53 min
